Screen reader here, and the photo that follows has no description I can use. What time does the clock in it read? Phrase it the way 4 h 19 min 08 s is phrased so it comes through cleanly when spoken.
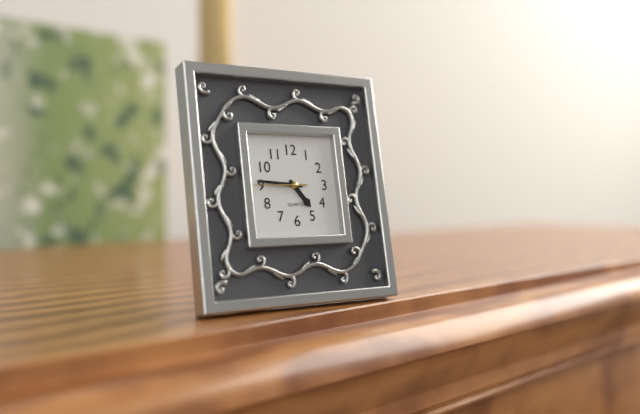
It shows 4 h 46 min 45 s
